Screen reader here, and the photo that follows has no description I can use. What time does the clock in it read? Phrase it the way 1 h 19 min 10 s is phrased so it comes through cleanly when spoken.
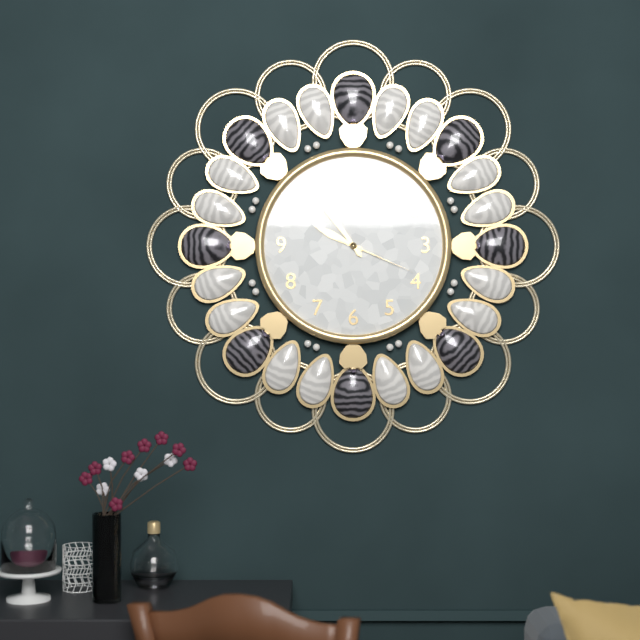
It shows 9 h 54 min 19 s
